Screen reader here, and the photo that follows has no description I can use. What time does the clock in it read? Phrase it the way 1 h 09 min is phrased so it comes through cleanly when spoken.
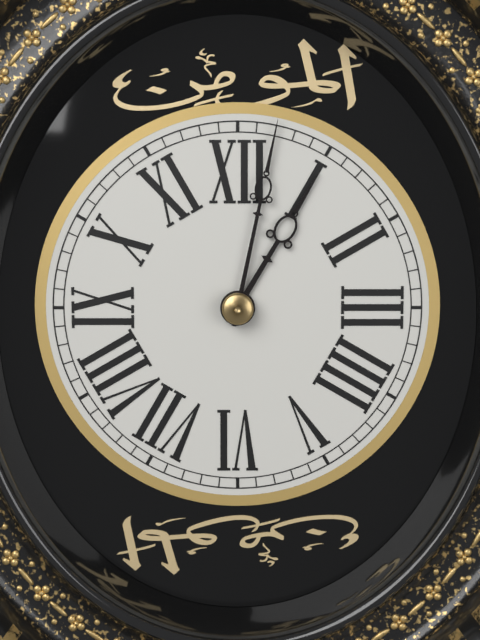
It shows 1 h 02 min
